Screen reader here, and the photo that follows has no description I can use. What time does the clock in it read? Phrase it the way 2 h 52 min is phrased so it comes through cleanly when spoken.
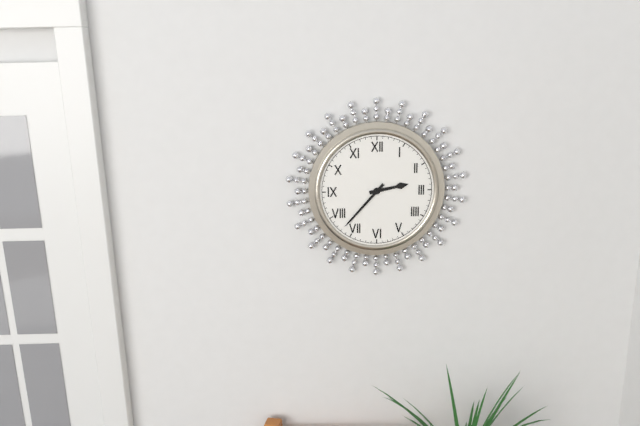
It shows 2 h 37 min
